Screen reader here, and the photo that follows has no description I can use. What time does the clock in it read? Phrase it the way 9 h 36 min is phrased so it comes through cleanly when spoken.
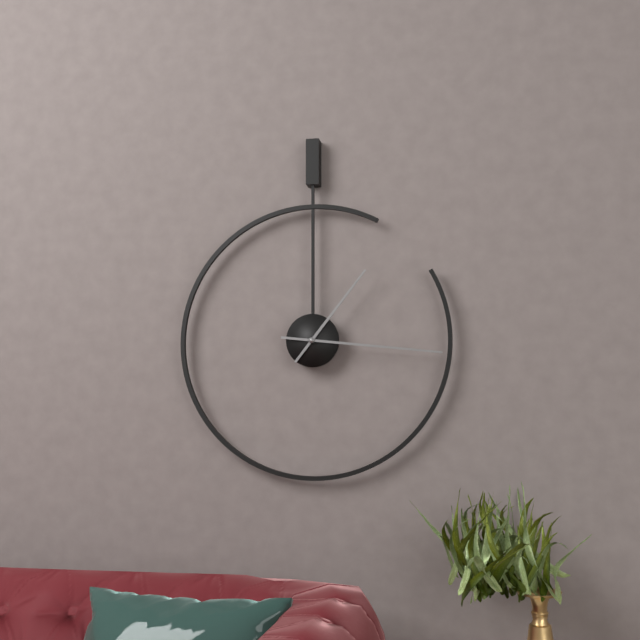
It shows 1 h 16 min
